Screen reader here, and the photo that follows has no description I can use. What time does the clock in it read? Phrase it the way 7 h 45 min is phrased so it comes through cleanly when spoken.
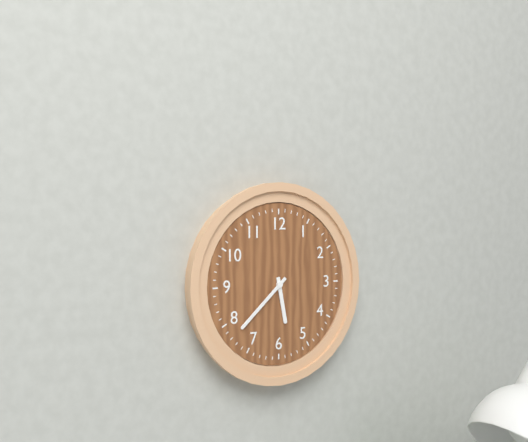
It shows 5 h 38 min
